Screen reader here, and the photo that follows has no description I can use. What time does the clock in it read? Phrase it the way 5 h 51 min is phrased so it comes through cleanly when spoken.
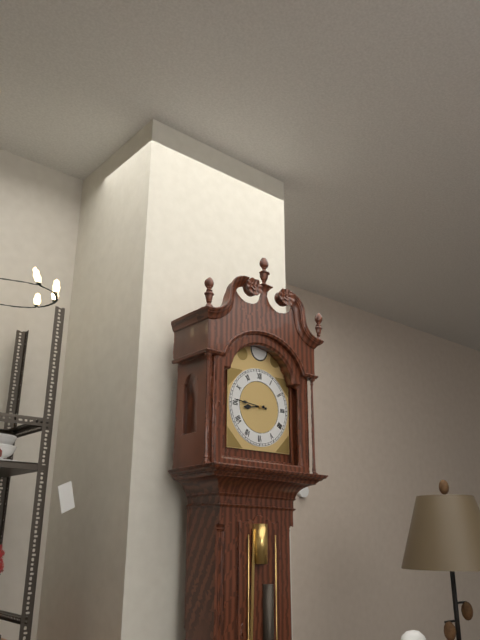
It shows 8 h 46 min
